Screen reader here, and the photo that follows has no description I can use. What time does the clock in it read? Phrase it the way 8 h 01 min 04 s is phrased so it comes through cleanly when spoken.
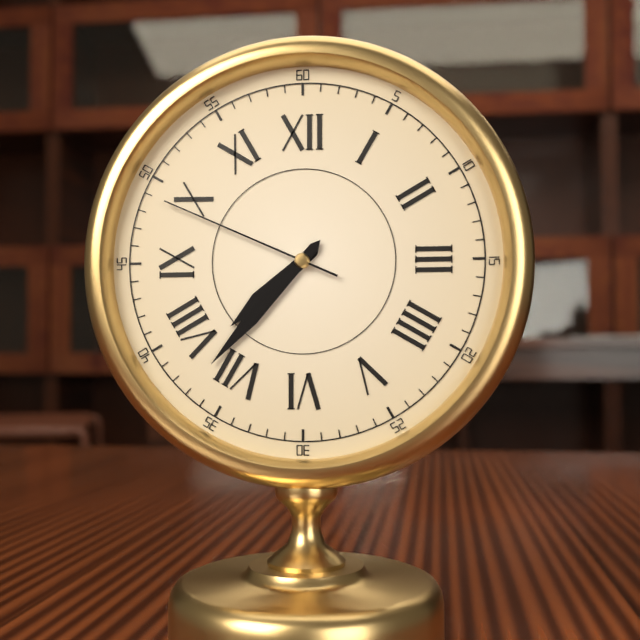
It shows 7 h 37 min 49 s
